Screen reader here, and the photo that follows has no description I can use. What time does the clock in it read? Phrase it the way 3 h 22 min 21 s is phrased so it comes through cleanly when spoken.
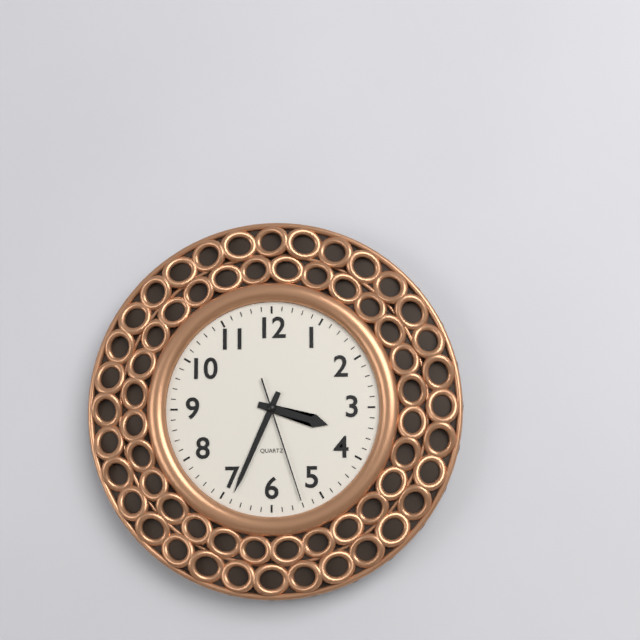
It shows 3 h 34 min 27 s
